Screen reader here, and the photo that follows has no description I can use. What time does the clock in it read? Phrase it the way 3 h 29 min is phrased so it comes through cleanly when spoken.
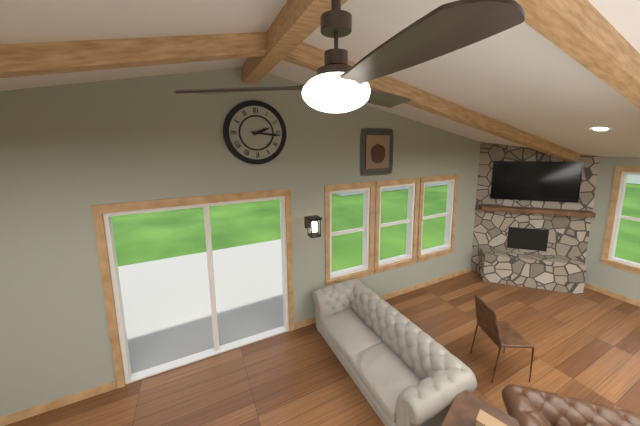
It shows 2 h 16 min
